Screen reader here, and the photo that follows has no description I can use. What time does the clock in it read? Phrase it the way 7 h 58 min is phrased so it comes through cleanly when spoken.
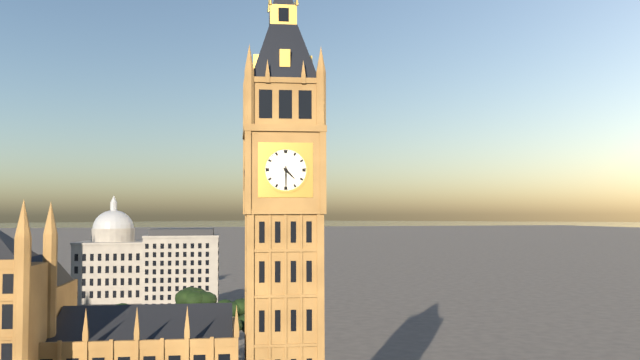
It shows 4 h 30 min
